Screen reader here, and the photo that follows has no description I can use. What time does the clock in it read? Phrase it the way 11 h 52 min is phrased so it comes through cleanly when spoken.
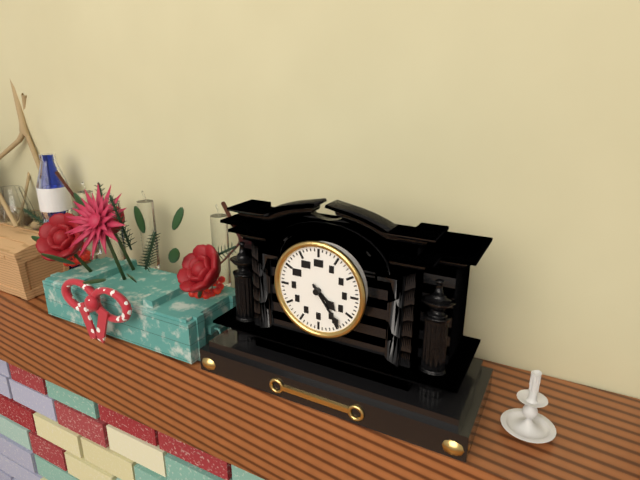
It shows 4 h 24 min
